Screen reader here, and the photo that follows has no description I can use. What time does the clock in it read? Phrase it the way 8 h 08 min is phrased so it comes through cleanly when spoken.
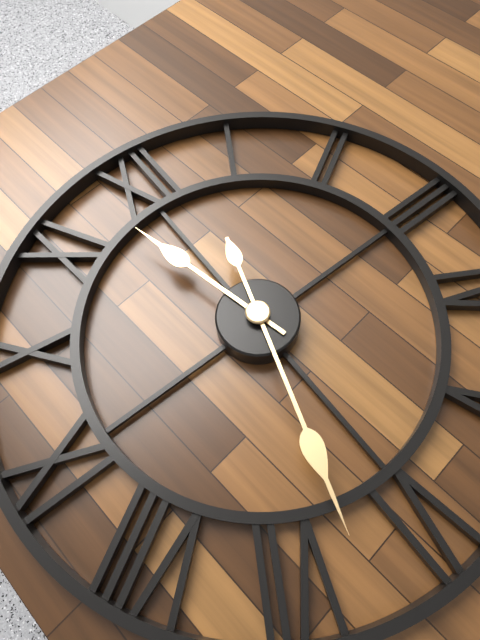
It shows 11 h 33 min
